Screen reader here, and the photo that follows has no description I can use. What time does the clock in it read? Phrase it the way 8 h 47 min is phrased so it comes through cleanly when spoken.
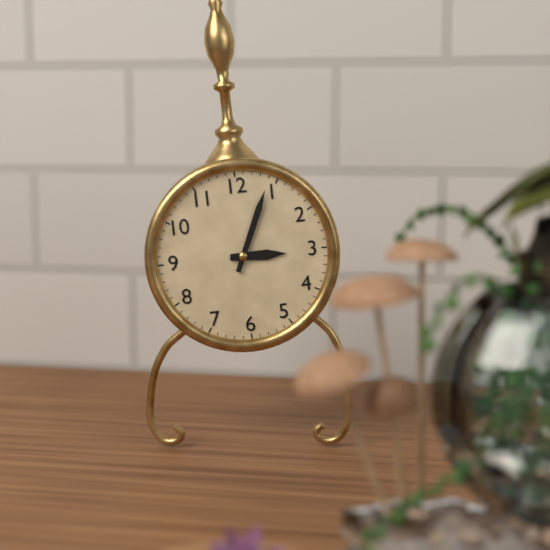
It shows 3 h 04 min
